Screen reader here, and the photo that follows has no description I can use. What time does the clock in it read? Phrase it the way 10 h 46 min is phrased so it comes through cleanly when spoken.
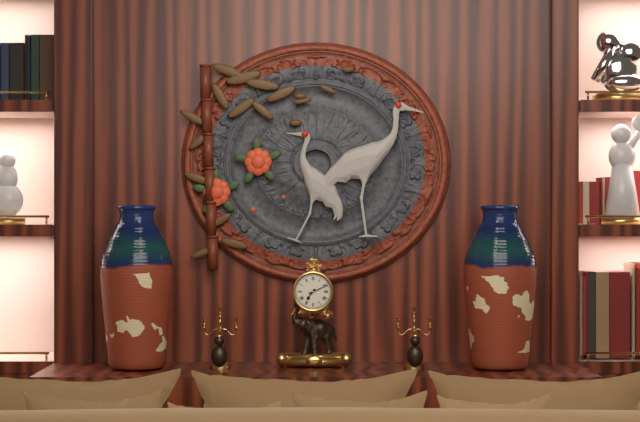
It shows 7 h 11 min
